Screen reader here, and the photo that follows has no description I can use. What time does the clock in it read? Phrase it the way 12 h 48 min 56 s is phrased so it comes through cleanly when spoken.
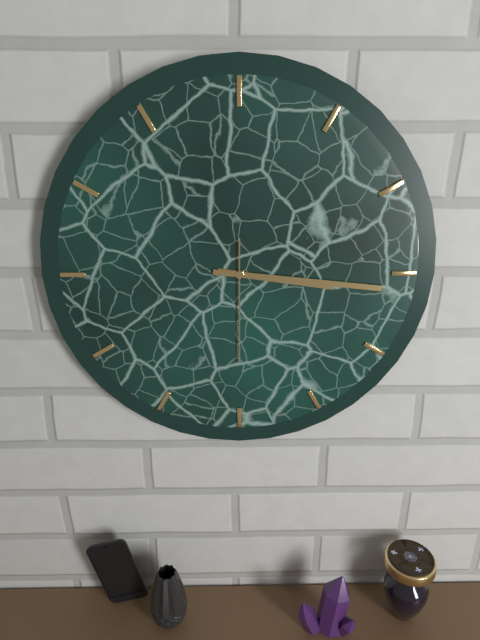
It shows 3 h 16 min 30 s
